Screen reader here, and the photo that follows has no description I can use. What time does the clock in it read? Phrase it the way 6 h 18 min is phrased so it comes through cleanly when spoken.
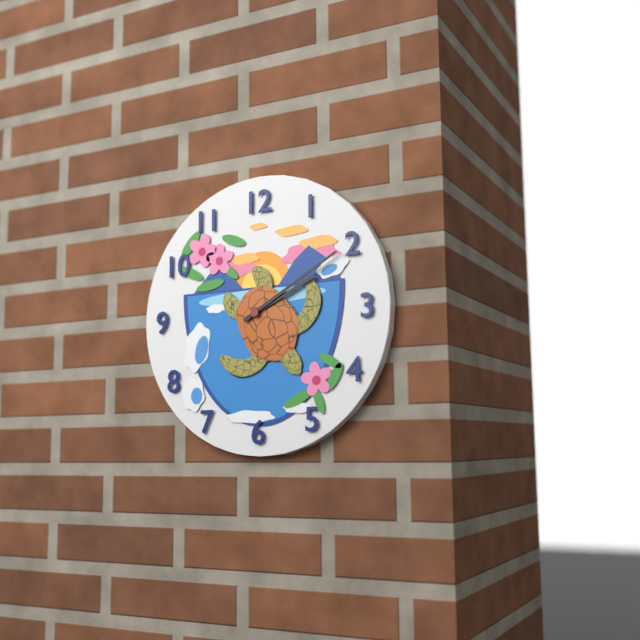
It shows 2 h 10 min
